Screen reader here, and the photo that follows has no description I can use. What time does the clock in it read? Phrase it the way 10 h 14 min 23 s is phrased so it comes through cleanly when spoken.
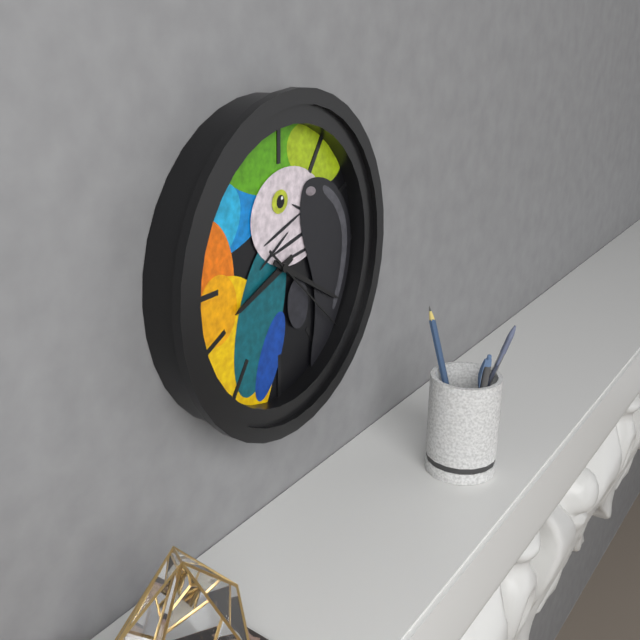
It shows 8 h 20 min 22 s
